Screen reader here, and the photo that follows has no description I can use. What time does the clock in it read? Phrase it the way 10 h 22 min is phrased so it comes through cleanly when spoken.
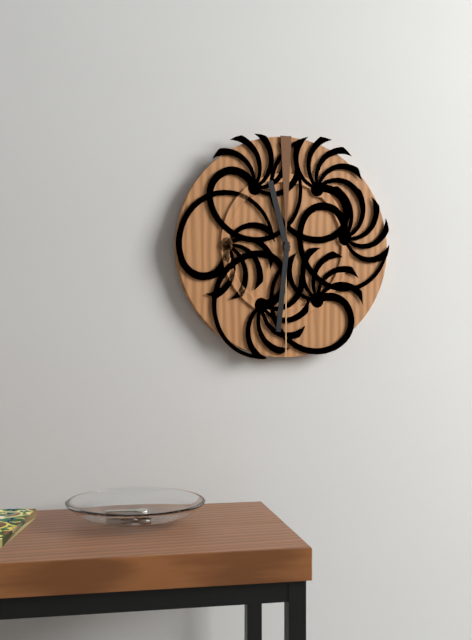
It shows 11 h 31 min
